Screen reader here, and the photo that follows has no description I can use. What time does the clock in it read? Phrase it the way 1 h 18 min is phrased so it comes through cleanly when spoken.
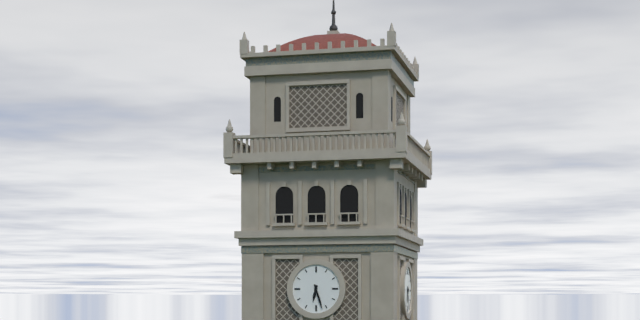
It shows 6 h 27 min
